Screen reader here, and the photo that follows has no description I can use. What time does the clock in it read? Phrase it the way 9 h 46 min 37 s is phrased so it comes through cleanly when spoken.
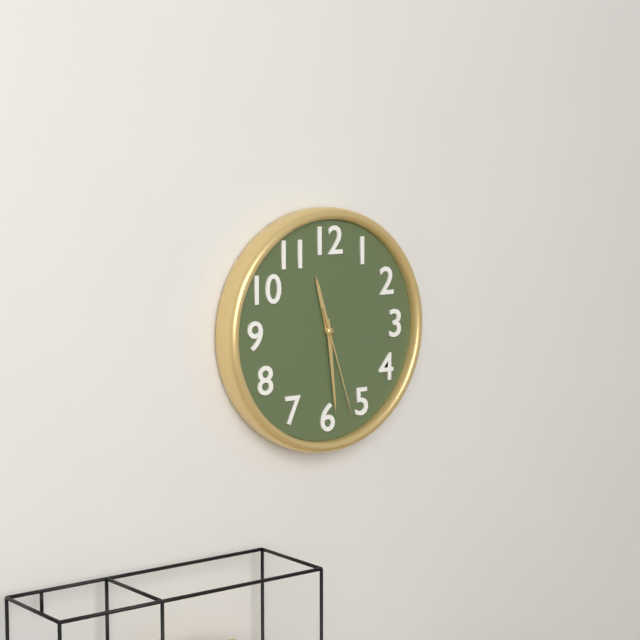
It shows 11 h 29 min 27 s
